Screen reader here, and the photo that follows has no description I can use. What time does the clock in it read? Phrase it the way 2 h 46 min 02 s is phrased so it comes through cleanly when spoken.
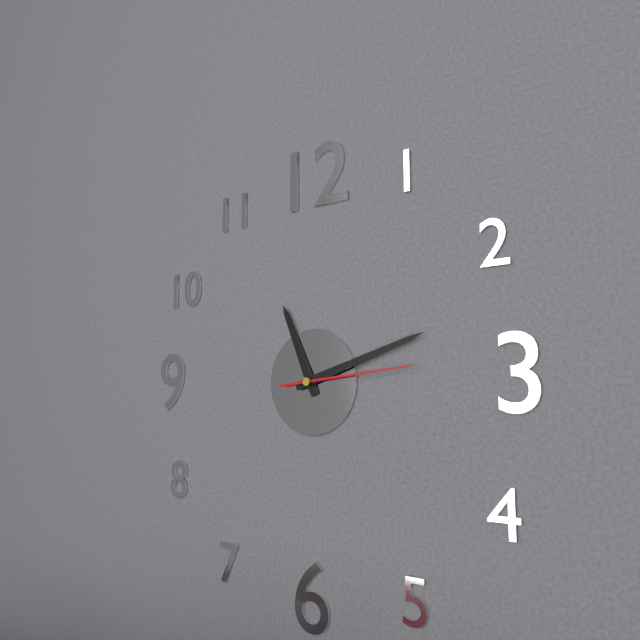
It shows 11 h 12 min 14 s
